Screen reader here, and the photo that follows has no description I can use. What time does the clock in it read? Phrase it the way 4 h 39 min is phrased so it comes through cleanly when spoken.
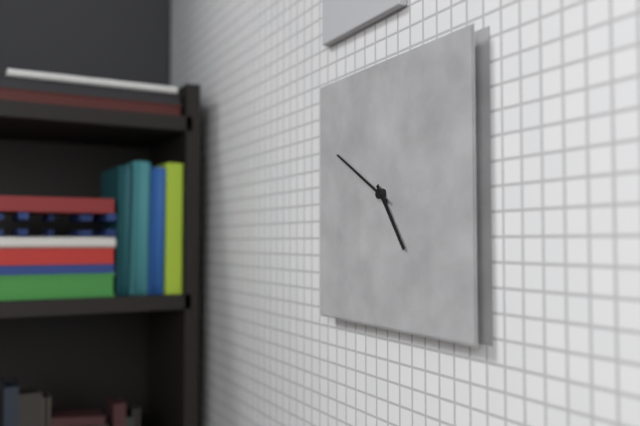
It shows 4 h 50 min
